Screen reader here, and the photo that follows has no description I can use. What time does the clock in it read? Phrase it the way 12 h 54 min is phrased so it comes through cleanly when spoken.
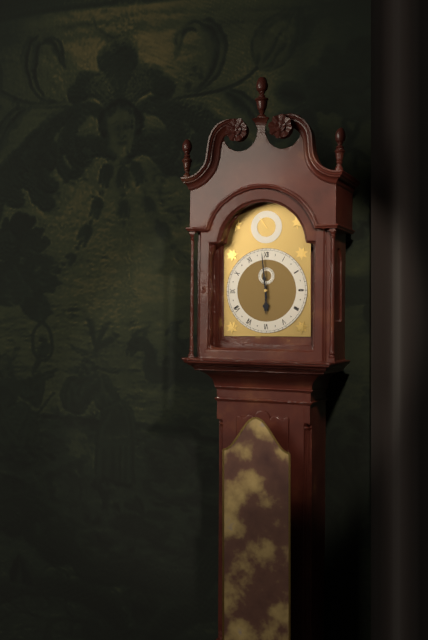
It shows 5 h 59 min
